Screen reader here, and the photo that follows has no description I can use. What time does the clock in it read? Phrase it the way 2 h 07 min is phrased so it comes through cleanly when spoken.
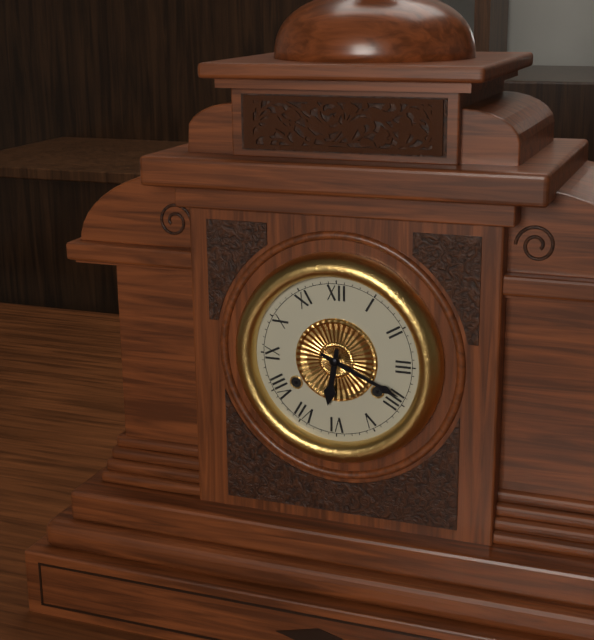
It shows 6 h 19 min
